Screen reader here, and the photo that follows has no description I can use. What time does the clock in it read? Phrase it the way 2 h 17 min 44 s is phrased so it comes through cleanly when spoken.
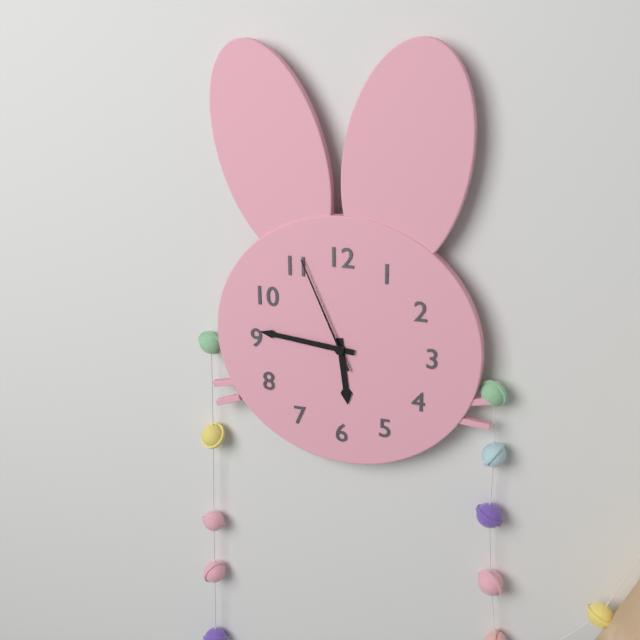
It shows 5 h 46 min 56 s
